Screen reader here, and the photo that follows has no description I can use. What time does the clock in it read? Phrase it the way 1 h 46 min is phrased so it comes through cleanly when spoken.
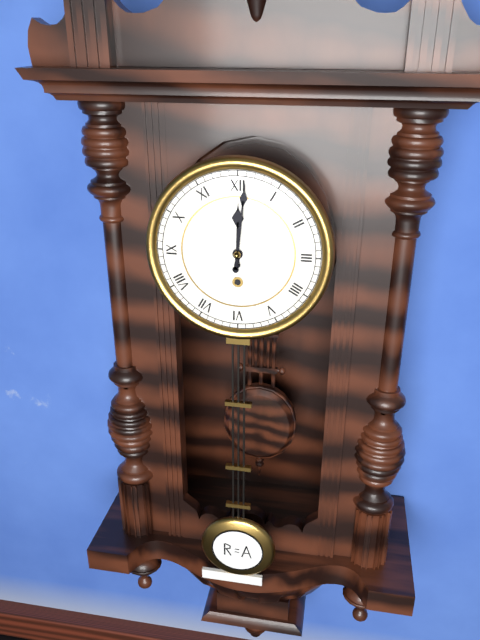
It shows 12 h 01 min
